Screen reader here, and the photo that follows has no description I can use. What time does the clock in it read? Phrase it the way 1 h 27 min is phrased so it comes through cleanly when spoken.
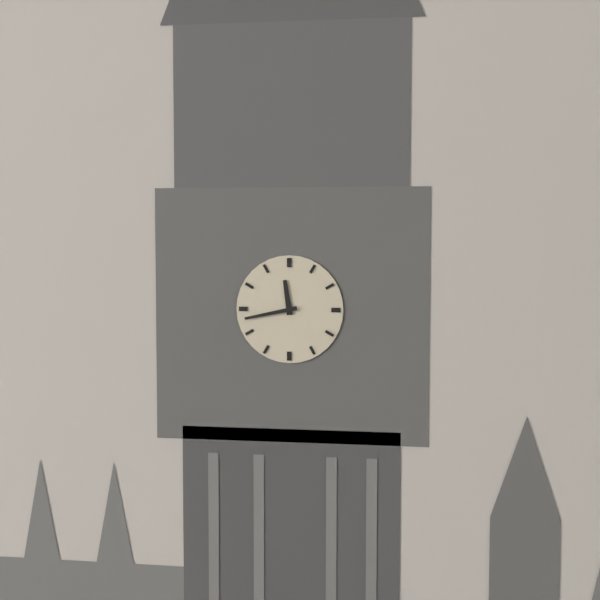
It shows 11 h 43 min
